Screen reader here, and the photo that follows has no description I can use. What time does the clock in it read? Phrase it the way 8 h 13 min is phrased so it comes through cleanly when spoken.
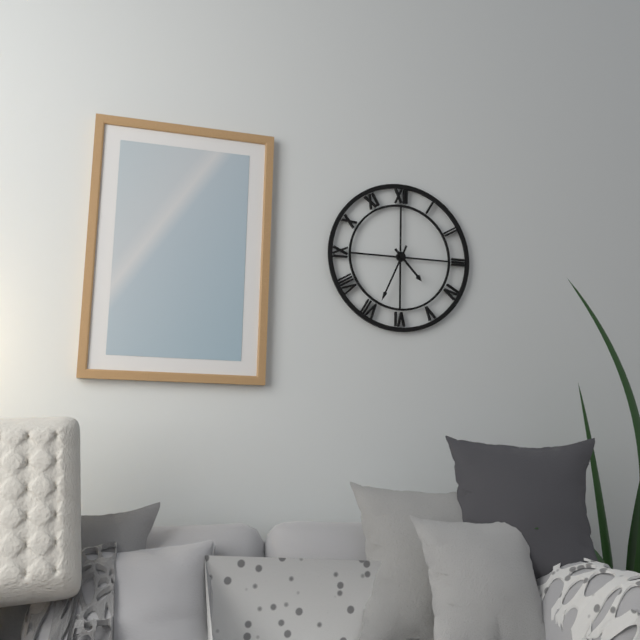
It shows 4 h 34 min
